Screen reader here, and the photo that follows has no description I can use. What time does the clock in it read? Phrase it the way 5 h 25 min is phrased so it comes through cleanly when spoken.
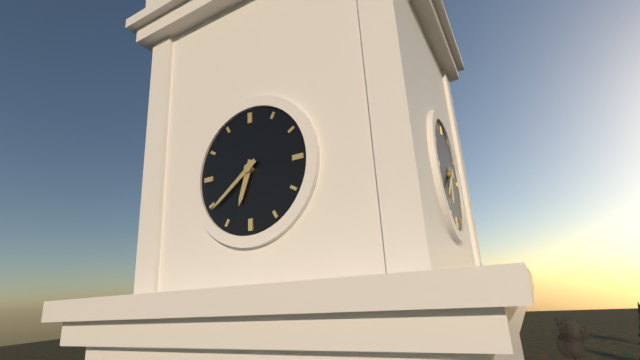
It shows 6 h 39 min
